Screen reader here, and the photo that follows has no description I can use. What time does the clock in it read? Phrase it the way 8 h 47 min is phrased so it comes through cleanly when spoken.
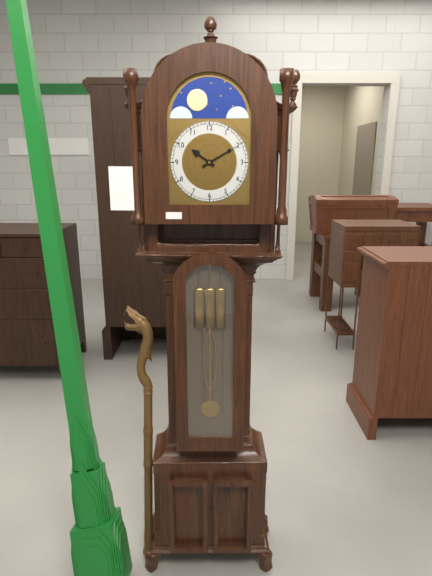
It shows 10 h 10 min
